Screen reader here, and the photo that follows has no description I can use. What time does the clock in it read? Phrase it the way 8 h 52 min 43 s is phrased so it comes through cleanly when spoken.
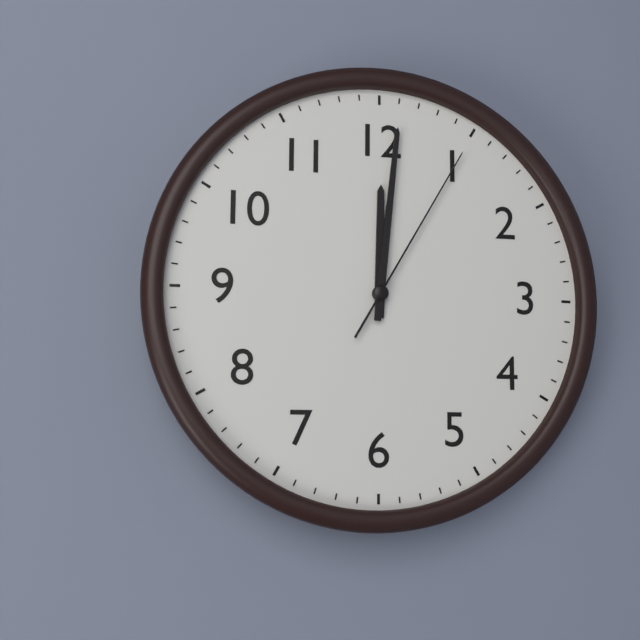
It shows 12 h 01 min 05 s
